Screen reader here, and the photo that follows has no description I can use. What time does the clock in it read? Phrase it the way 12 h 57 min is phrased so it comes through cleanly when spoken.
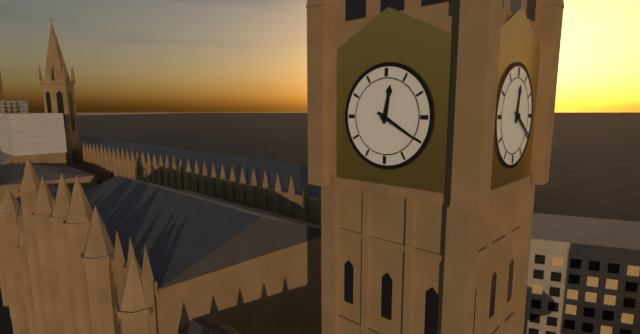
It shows 12 h 20 min
